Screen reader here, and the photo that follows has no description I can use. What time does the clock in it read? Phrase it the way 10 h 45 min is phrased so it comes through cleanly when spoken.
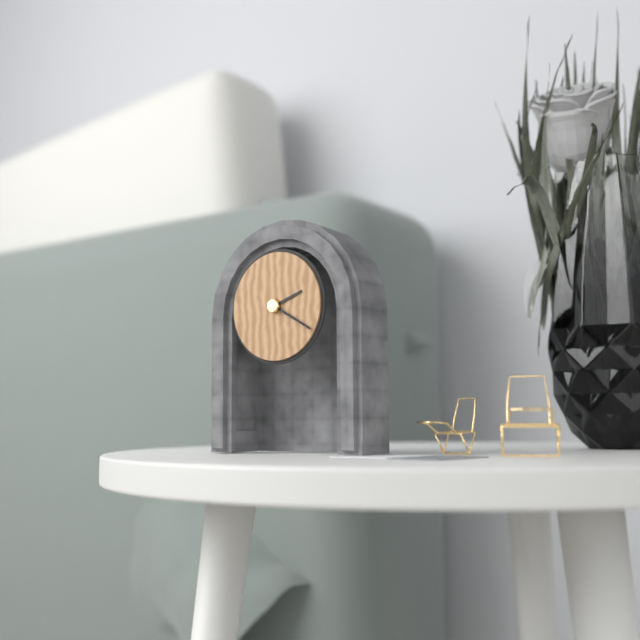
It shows 2 h 20 min
